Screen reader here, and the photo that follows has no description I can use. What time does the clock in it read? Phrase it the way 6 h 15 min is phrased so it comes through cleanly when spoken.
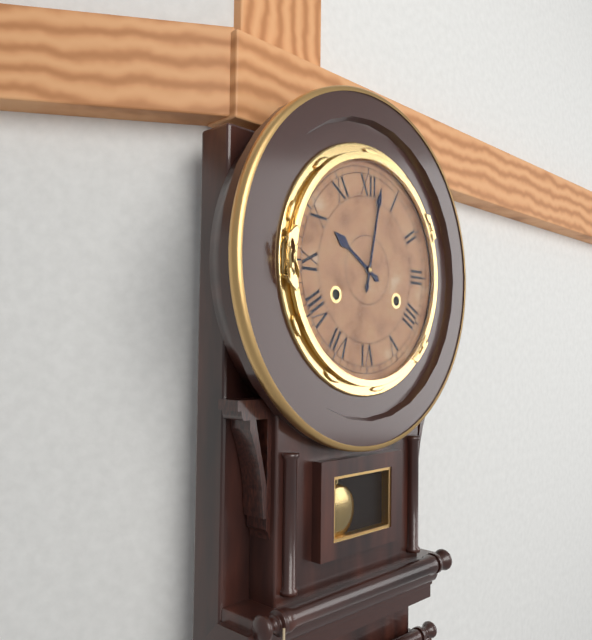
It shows 10 h 02 min
